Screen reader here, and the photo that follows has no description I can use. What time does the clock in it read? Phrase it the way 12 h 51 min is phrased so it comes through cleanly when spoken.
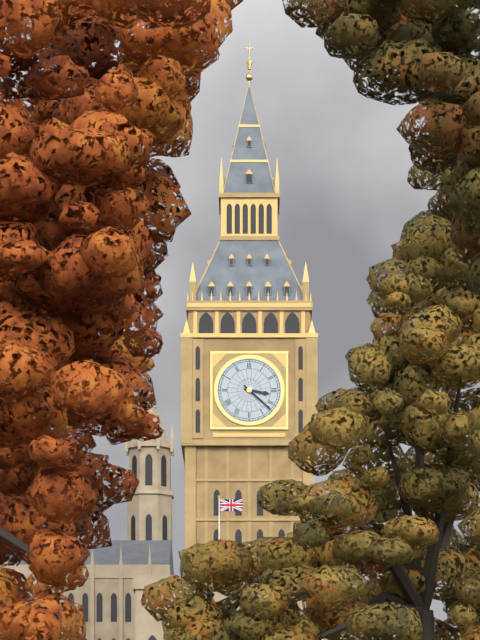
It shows 3 h 22 min
